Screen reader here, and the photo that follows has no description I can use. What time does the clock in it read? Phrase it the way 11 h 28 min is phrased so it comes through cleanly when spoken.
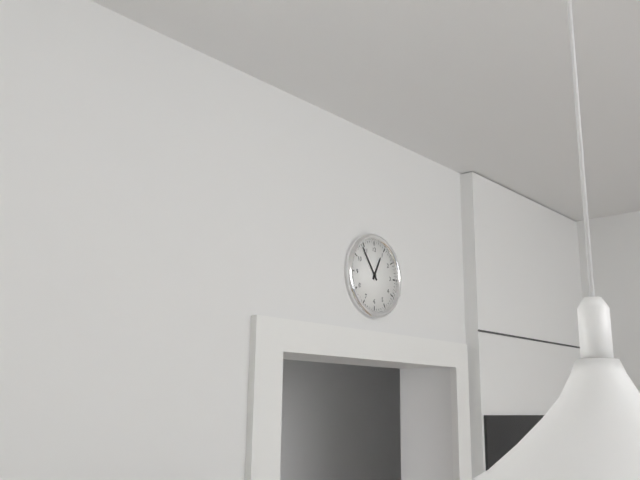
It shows 12 h 54 min
